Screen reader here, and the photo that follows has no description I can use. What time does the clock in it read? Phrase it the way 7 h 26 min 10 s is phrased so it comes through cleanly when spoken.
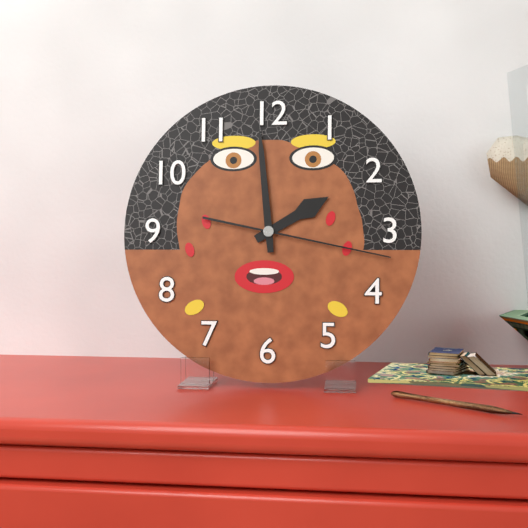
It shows 1 h 59 min 17 s
